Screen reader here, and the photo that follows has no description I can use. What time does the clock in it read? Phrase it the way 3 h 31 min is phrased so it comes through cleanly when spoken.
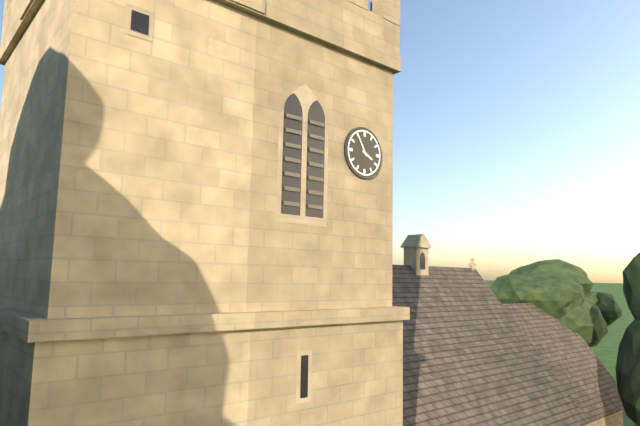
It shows 3 h 55 min
